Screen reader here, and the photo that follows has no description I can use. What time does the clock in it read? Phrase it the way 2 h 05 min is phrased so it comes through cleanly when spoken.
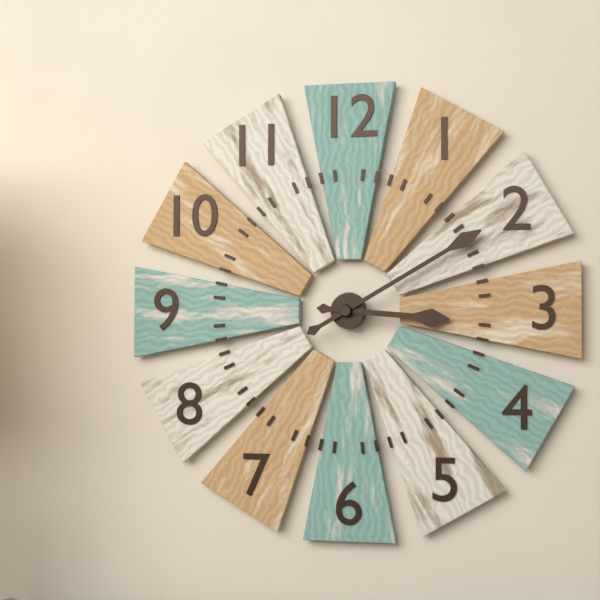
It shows 3 h 10 min
